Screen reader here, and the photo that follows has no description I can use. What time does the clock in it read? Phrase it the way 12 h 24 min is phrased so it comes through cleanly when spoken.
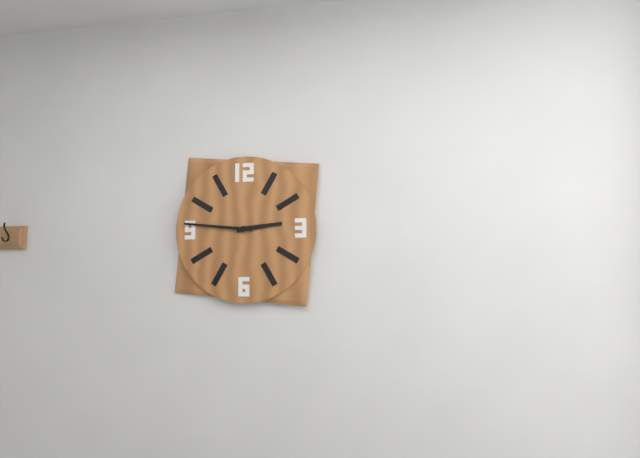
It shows 2 h 46 min
